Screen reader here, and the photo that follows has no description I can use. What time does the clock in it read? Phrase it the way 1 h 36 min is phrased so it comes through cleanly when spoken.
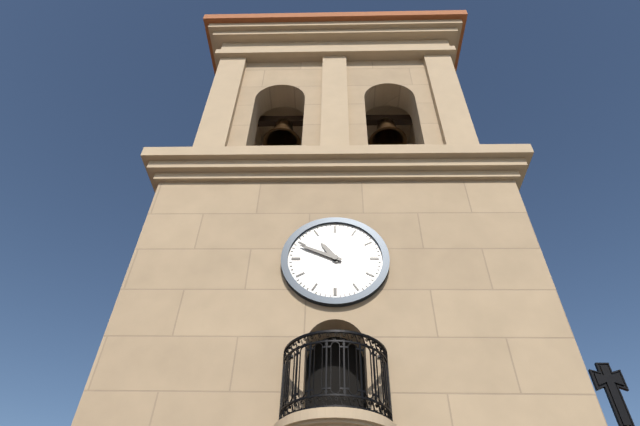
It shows 10 h 49 min
